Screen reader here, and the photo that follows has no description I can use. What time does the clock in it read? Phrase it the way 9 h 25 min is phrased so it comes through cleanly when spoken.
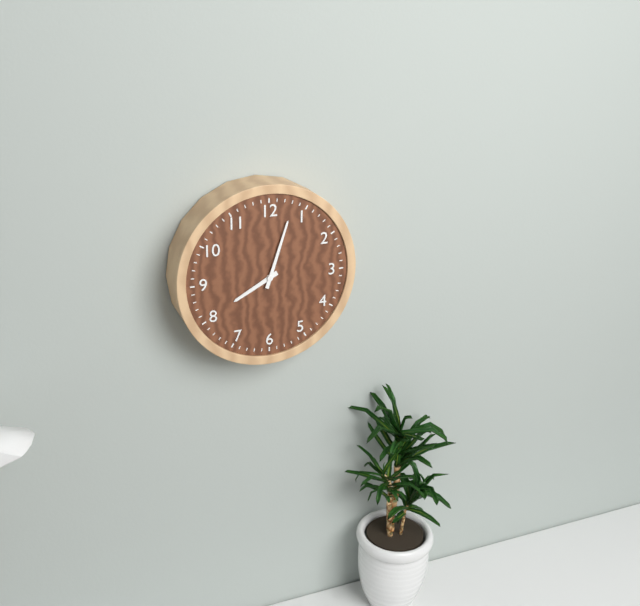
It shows 8 h 03 min
